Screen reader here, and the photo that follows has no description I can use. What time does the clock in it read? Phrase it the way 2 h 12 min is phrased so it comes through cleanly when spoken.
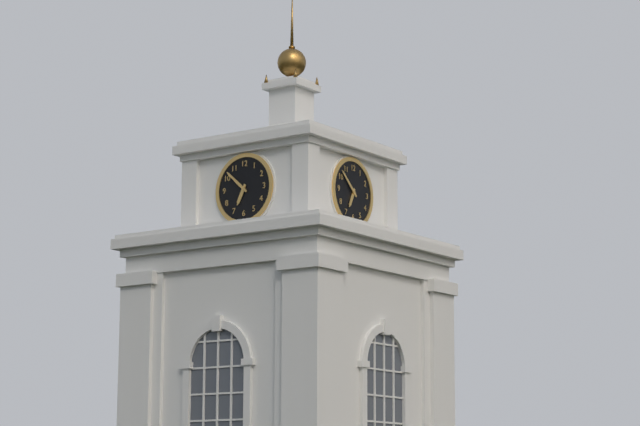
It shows 6 h 52 min
